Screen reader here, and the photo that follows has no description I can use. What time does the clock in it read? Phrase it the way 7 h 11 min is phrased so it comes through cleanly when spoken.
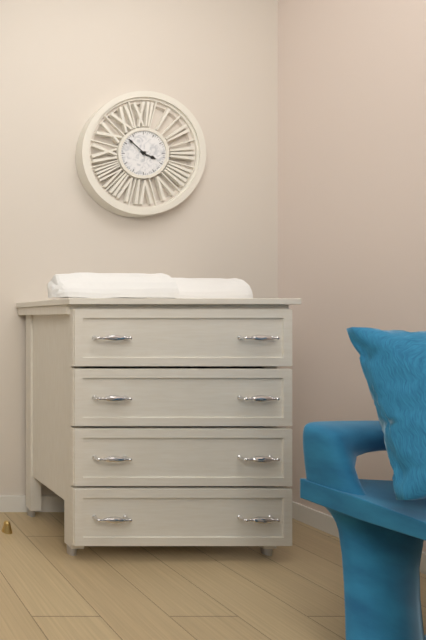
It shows 3 h 52 min
